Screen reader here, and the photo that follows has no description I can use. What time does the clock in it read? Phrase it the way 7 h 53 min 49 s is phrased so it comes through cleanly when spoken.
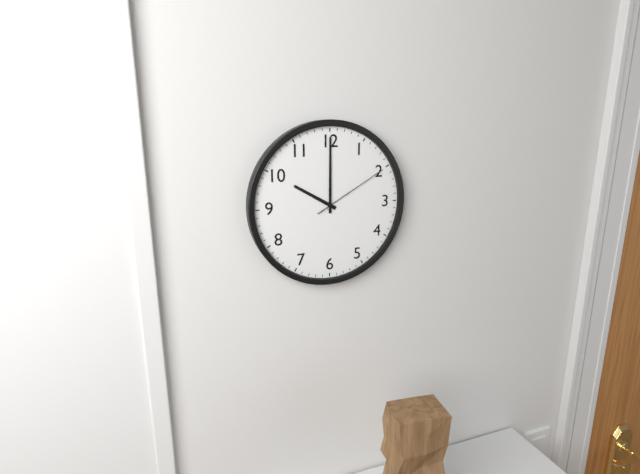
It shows 10 h 00 min 10 s
